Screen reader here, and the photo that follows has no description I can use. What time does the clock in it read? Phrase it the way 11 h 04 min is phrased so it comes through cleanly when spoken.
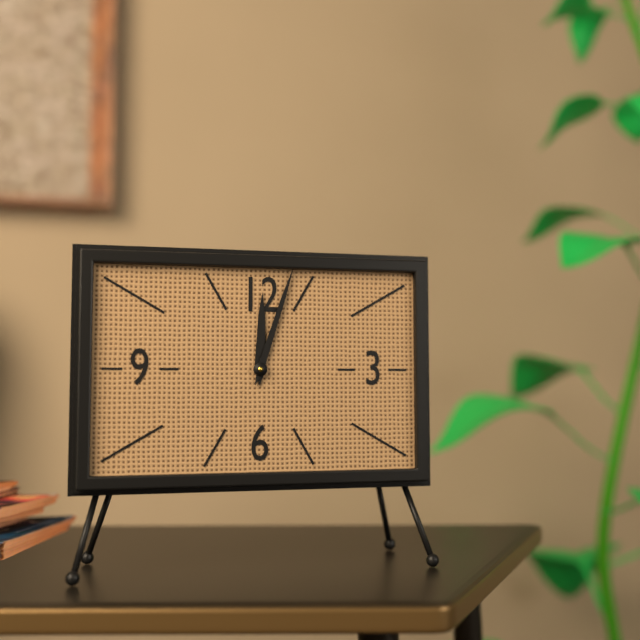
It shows 12 h 03 min
